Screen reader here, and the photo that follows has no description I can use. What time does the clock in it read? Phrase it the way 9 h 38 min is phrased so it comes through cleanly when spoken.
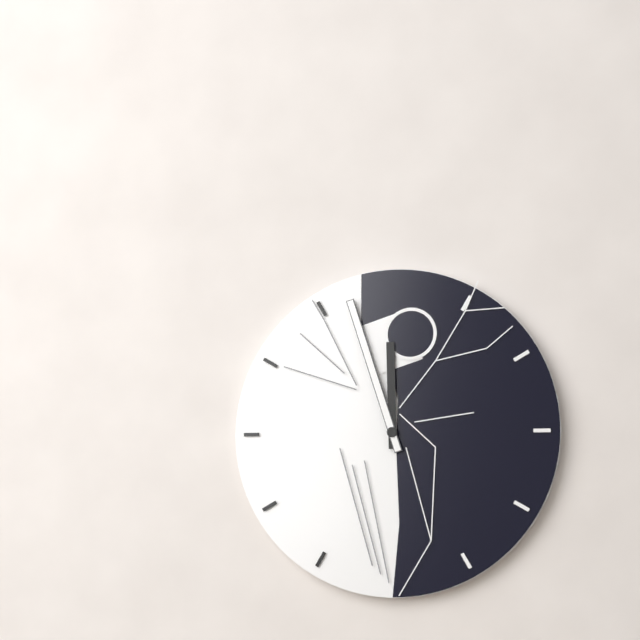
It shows 11 h 57 min
